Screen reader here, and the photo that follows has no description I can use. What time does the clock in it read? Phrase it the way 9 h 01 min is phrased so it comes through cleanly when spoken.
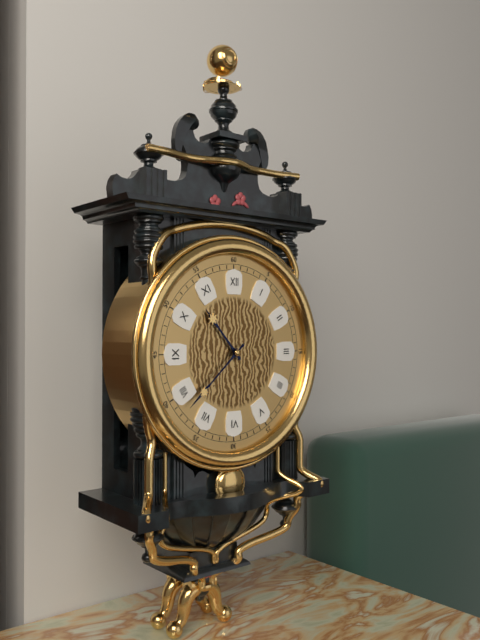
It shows 10 h 38 min
